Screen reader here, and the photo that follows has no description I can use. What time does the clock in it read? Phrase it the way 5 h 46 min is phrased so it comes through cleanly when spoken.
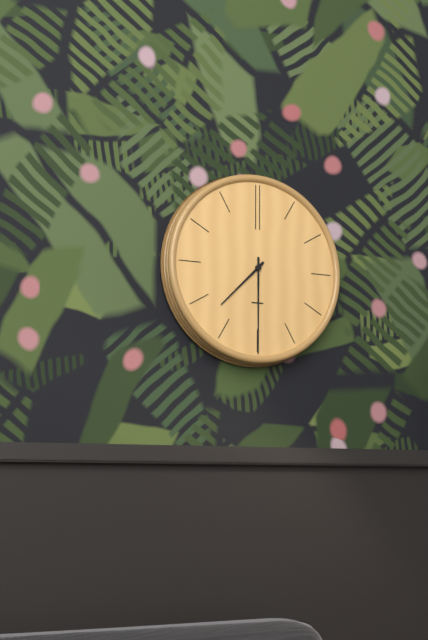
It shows 7 h 30 min
